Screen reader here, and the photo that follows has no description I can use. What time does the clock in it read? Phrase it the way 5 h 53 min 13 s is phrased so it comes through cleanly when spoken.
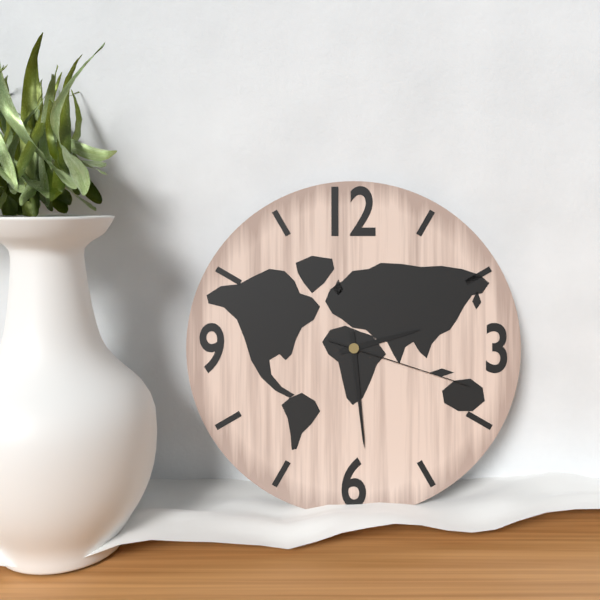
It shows 2 h 29 min 18 s
